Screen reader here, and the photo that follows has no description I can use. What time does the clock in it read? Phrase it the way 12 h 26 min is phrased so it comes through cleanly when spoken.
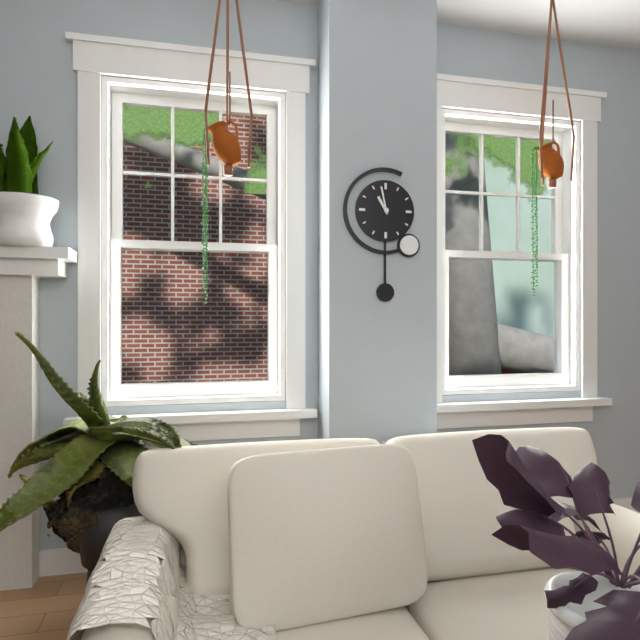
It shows 10 h 58 min
